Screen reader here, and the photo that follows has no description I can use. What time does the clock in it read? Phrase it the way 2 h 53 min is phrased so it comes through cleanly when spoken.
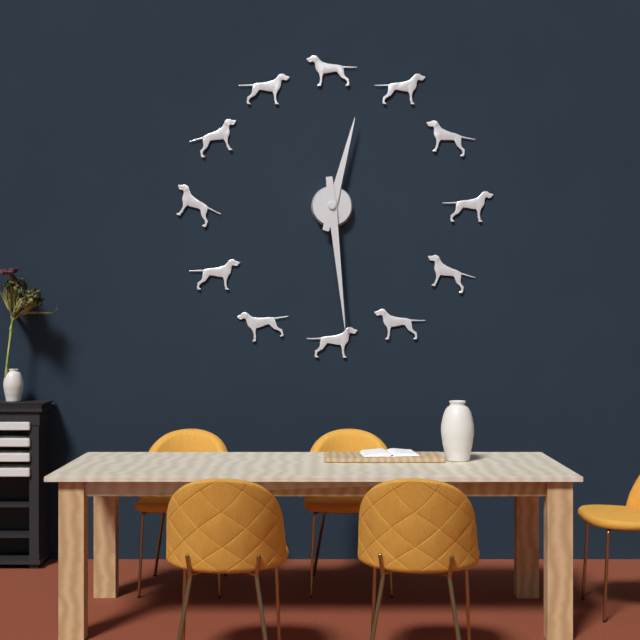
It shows 12 h 29 min
